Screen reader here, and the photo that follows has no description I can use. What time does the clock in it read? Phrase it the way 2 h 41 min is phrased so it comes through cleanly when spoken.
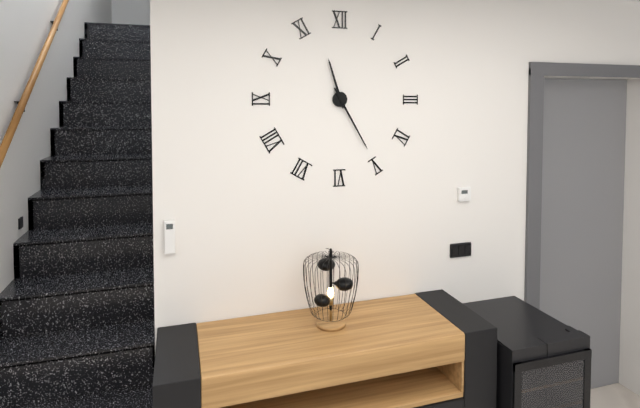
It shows 11 h 25 min
